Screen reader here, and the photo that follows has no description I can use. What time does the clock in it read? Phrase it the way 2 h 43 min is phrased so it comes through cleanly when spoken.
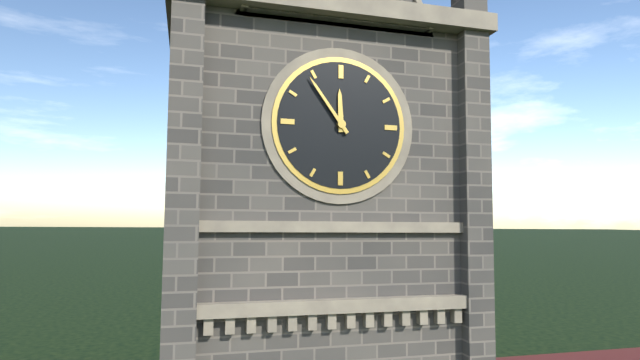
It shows 11 h 54 min
